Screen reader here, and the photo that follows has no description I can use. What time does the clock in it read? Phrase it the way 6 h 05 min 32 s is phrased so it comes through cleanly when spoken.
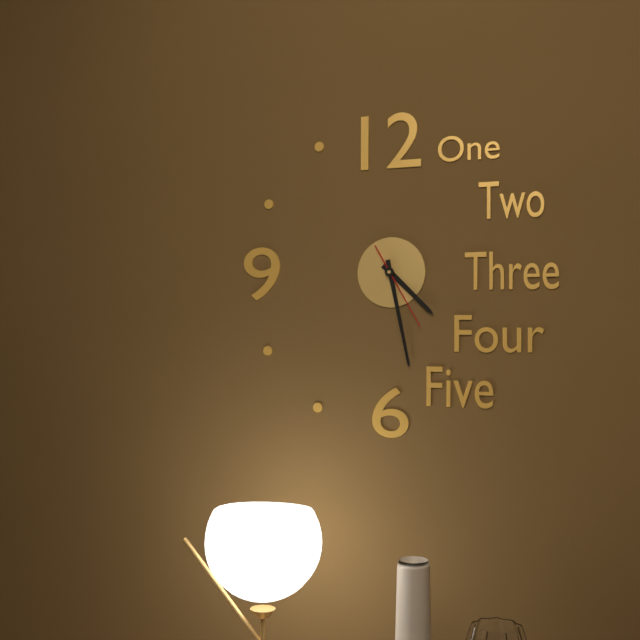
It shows 4 h 28 min 25 s
